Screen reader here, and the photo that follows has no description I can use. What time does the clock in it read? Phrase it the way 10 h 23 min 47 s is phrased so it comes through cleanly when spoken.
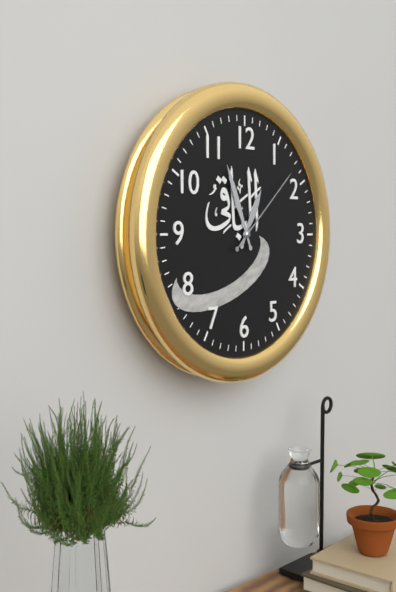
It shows 12 h 56 min 08 s
